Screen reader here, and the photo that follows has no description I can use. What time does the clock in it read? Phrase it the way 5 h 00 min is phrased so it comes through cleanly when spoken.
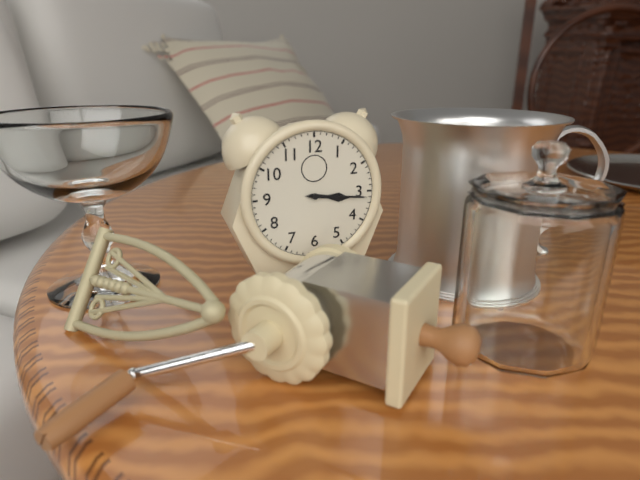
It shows 3 h 16 min
